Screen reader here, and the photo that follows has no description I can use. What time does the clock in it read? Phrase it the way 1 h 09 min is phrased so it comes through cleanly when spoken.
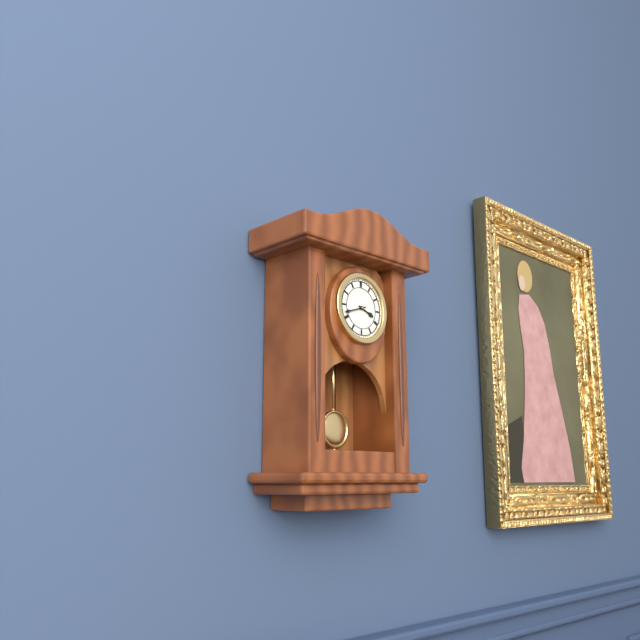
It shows 3 h 42 min
